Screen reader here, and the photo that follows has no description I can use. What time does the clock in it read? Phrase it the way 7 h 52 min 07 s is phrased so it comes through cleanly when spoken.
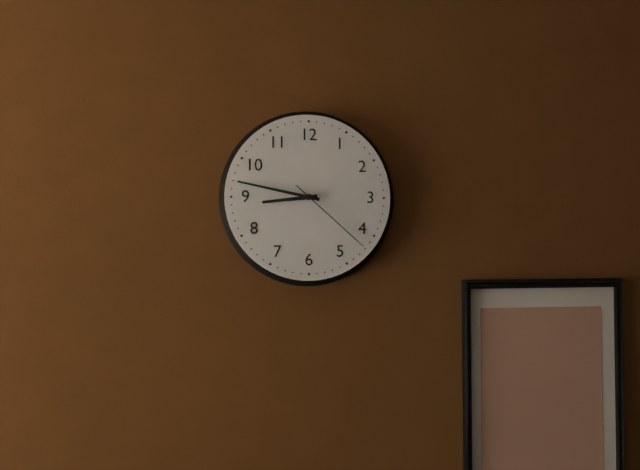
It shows 8 h 47 min 22 s
